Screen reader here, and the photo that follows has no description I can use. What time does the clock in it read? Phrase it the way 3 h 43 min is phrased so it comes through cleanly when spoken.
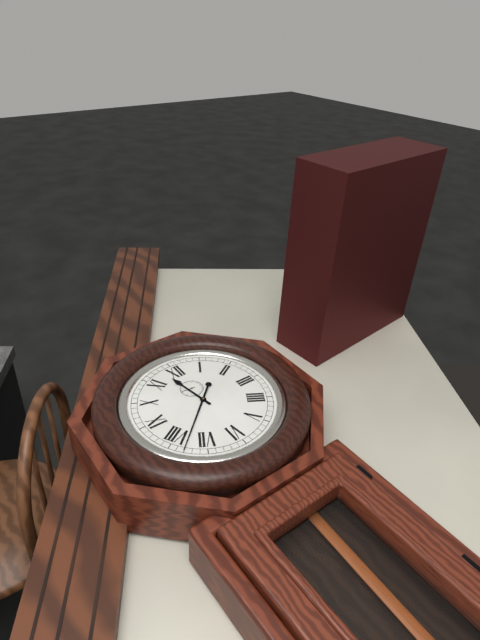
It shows 11 h 38 min
